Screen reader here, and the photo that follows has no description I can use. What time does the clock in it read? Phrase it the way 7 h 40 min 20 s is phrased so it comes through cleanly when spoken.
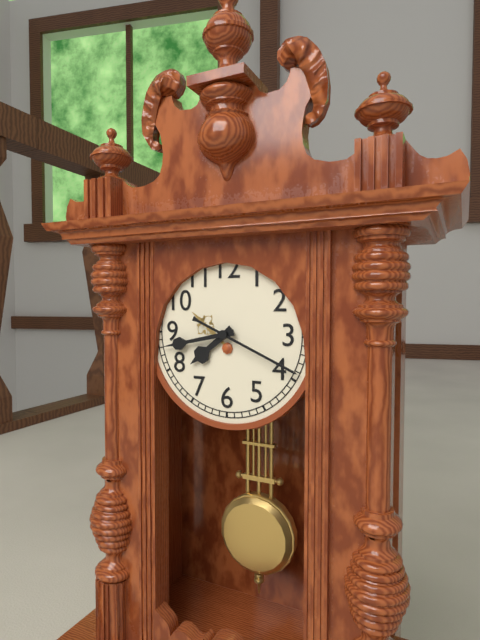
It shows 7 h 43 min 19 s
